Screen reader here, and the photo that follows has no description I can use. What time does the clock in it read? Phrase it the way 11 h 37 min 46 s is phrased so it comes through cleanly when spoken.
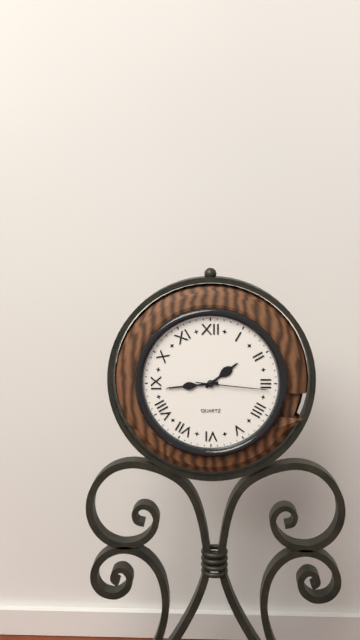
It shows 1 h 44 min 16 s
